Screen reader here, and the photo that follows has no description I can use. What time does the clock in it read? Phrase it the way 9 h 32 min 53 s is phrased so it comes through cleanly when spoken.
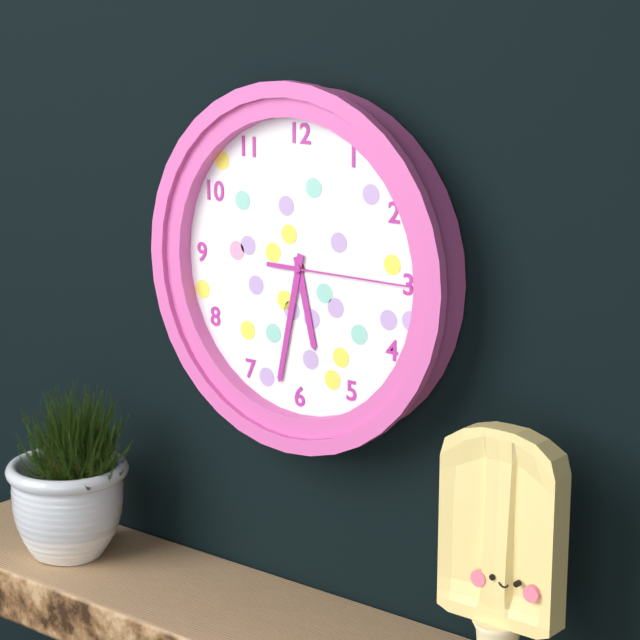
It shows 5 h 32 min 15 s
